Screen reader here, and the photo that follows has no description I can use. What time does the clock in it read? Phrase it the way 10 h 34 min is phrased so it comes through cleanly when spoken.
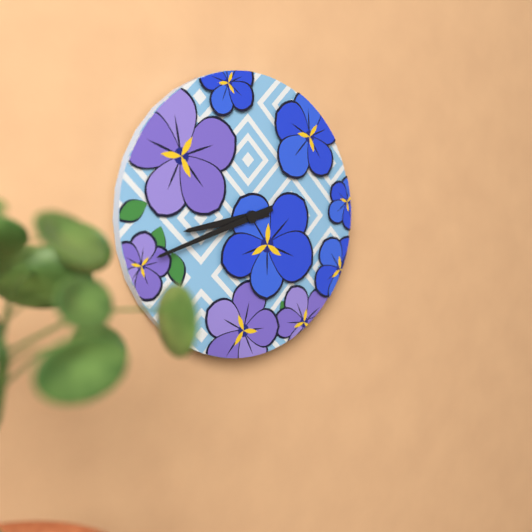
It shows 8 h 42 min
